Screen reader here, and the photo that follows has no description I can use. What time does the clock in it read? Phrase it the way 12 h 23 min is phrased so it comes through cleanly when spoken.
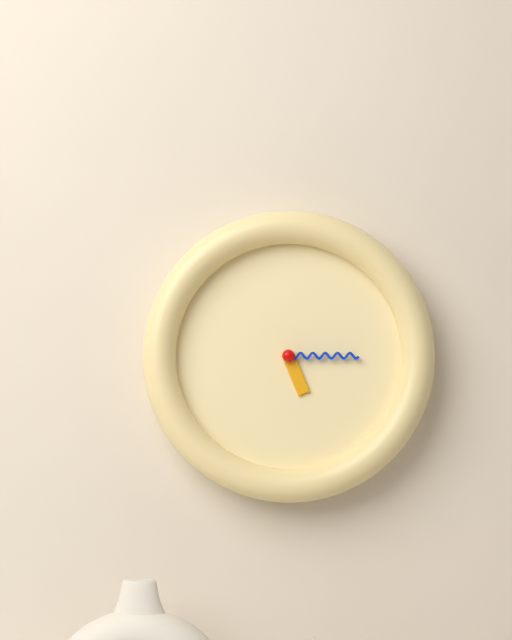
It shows 5 h 15 min
